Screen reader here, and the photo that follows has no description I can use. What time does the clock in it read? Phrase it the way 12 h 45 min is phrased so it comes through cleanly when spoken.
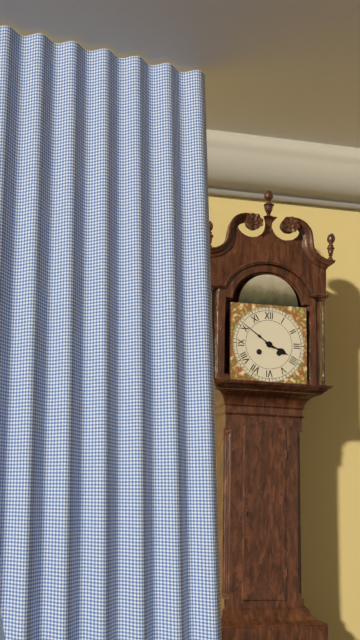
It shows 3 h 51 min
